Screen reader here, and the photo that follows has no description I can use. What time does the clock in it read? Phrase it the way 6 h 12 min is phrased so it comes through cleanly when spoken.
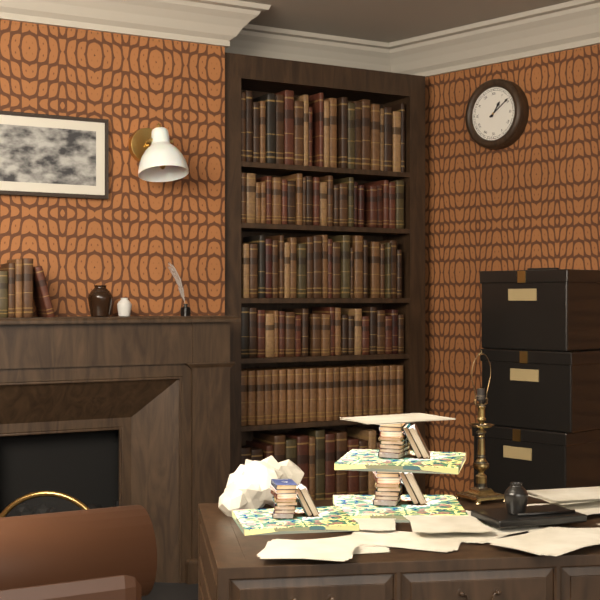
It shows 1 h 09 min
